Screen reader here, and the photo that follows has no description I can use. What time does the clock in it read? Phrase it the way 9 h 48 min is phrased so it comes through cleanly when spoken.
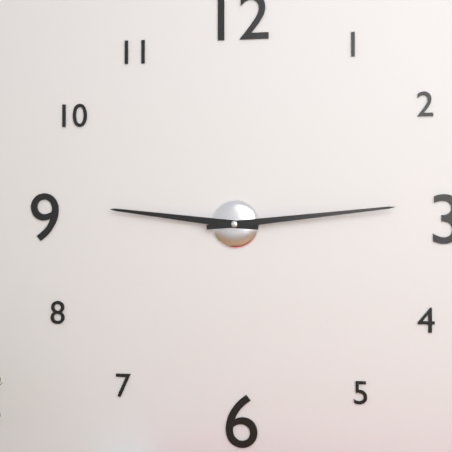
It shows 9 h 14 min
